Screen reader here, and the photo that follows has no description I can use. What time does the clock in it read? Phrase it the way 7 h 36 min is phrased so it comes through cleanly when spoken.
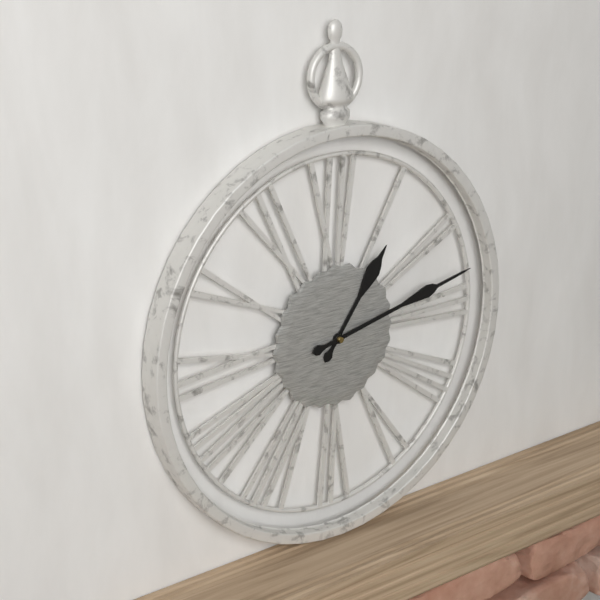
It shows 1 h 13 min
